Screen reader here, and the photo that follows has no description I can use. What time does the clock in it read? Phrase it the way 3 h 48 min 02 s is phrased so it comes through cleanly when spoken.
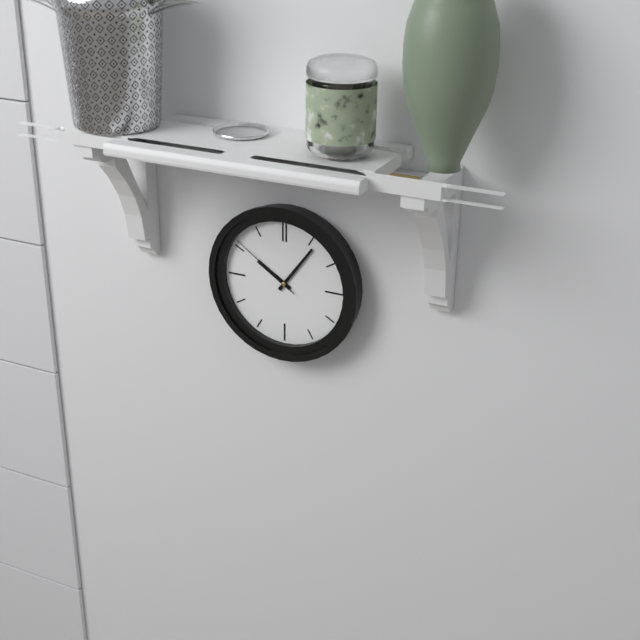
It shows 10 h 06 min 51 s
